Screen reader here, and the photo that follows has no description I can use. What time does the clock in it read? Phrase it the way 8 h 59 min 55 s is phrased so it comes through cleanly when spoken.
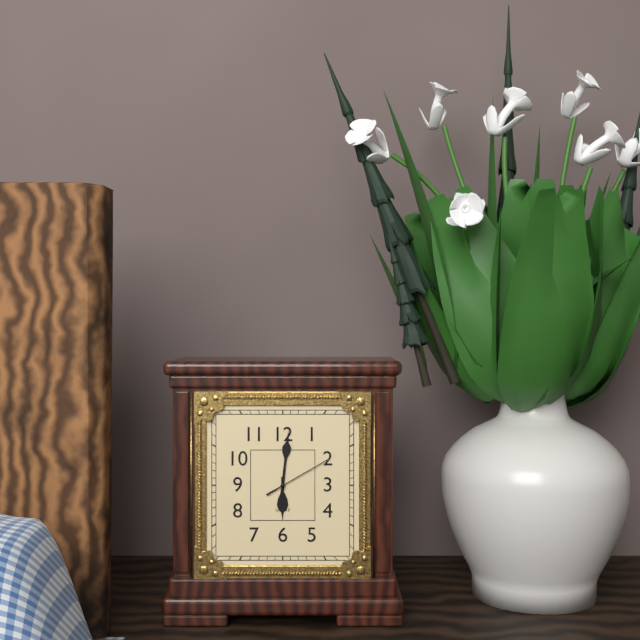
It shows 6 h 01 min 10 s
